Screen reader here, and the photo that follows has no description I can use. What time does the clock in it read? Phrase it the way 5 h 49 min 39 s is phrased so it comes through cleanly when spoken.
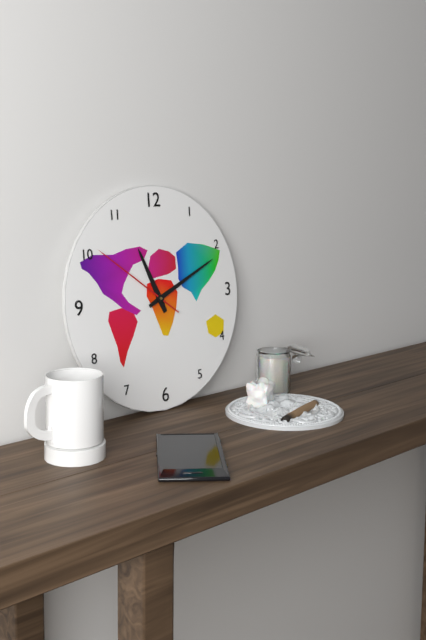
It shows 11 h 11 min 51 s
